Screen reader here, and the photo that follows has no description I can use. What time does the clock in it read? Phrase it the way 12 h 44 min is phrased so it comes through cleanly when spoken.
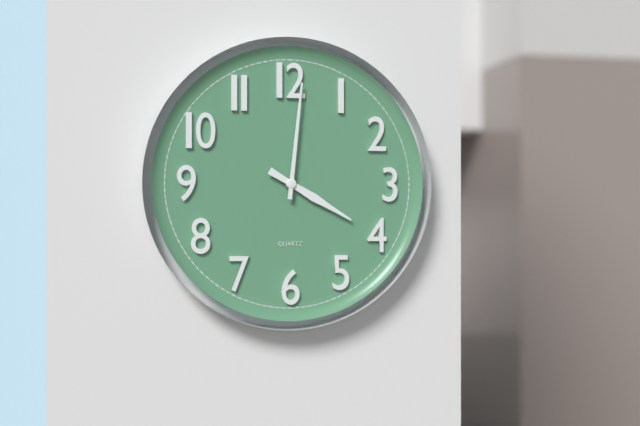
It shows 4 h 01 min
